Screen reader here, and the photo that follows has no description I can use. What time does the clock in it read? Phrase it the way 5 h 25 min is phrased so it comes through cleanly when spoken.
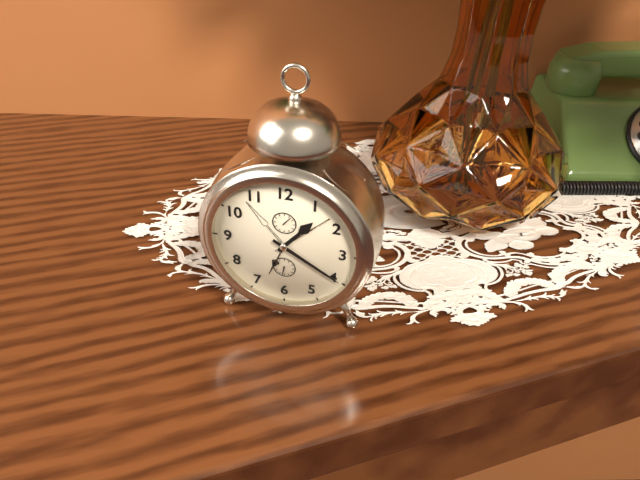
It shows 1 h 20 min
